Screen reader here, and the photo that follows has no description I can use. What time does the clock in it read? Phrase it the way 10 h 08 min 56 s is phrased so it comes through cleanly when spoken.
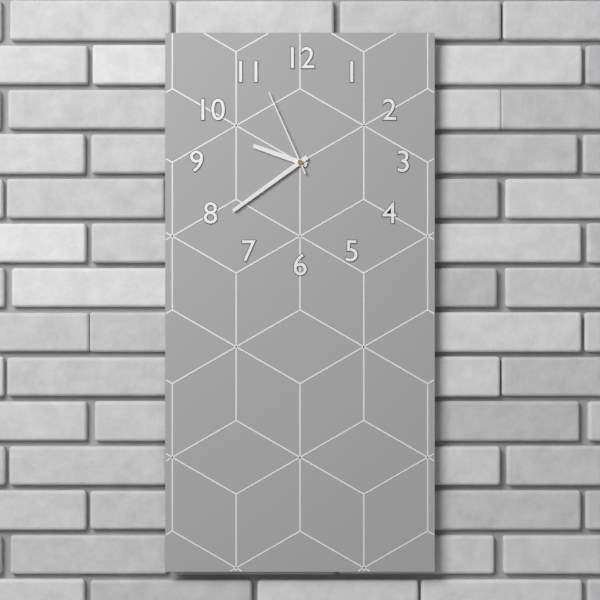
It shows 9 h 39 min 56 s
